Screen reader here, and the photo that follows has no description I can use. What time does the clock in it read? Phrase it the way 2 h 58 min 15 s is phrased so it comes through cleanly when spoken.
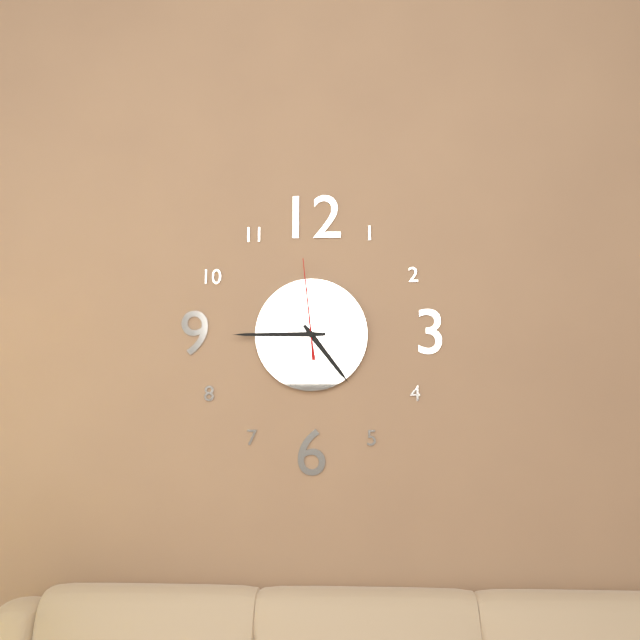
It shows 4 h 45 min 59 s
